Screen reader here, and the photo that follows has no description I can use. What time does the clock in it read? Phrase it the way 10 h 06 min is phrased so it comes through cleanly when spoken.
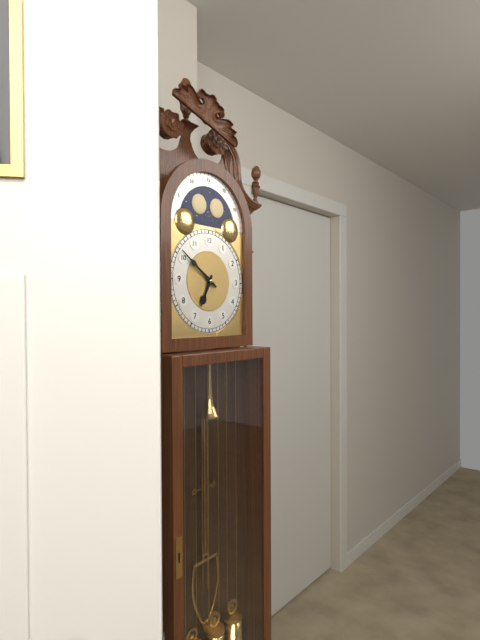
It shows 6 h 51 min
